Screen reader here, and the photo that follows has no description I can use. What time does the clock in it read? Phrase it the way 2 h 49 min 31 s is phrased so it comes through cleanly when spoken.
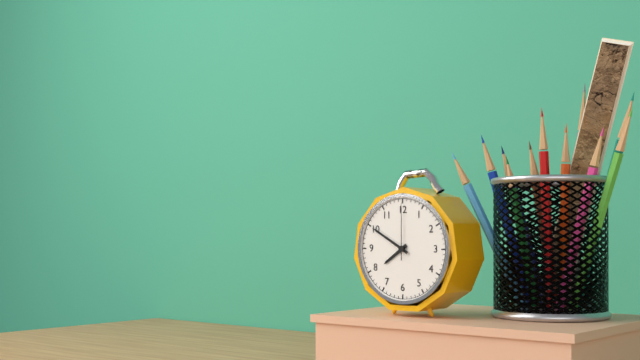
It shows 7 h 50 min 00 s
